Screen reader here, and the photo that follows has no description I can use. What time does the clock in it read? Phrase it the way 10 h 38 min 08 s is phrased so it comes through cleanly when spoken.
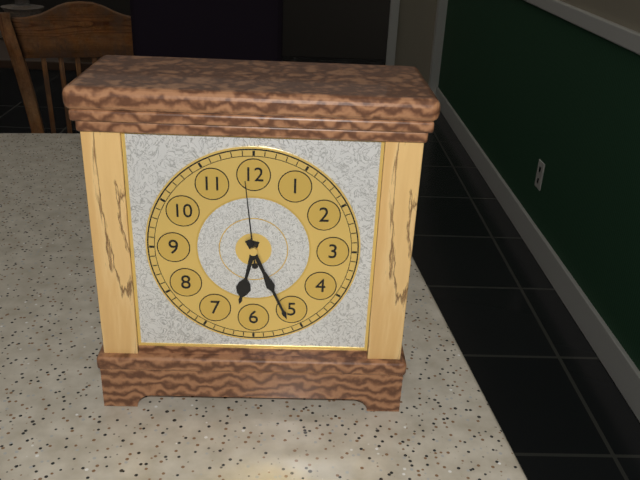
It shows 6 h 26 min 59 s
